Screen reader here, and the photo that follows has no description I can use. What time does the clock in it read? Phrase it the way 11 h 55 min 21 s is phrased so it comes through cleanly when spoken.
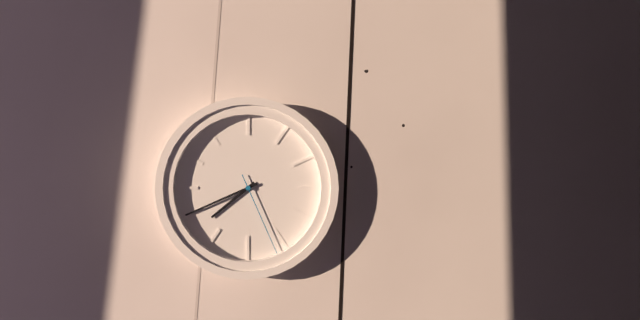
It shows 7 h 41 min 26 s
